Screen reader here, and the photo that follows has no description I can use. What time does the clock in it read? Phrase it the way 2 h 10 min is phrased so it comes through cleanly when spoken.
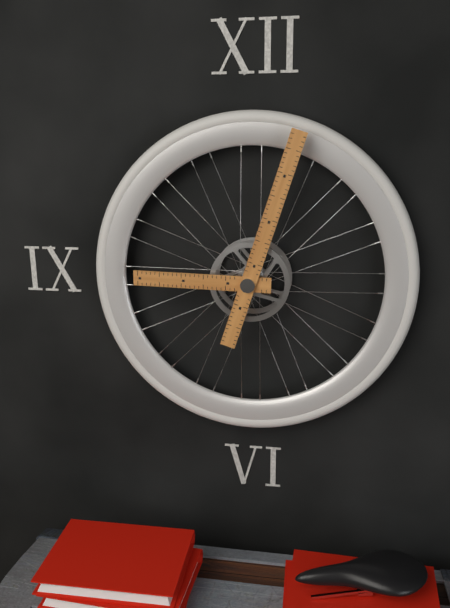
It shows 9 h 03 min
